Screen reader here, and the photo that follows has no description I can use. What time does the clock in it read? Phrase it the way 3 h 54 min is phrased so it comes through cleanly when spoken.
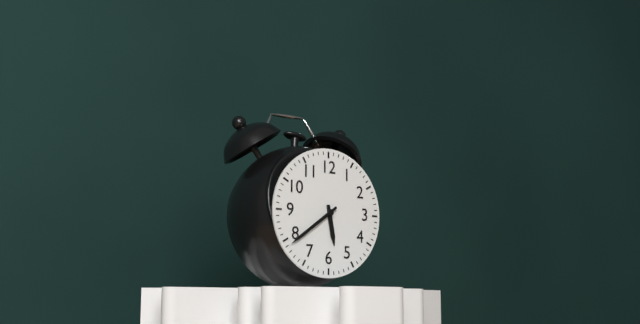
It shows 5 h 39 min
